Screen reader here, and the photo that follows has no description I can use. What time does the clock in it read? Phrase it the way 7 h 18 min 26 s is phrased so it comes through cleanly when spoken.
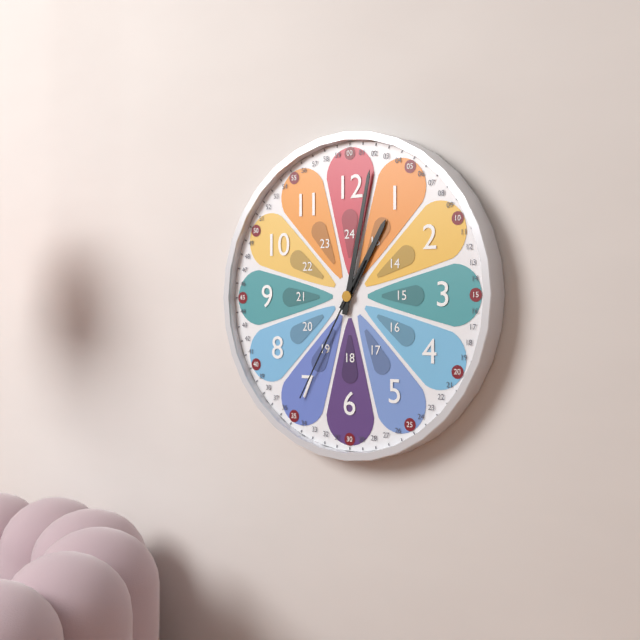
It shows 1 h 02 min 35 s
